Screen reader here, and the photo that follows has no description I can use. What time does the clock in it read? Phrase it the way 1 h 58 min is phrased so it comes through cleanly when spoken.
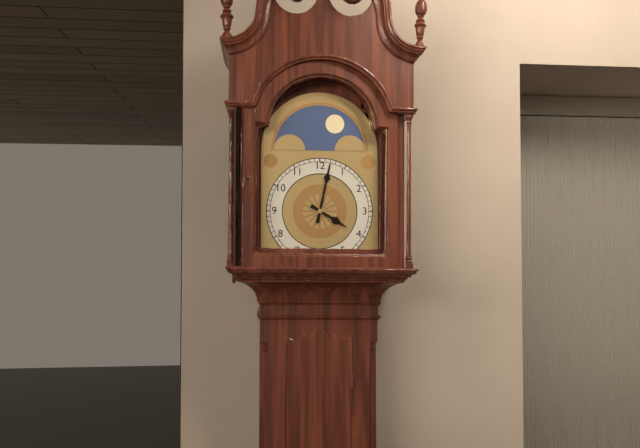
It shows 4 h 02 min
